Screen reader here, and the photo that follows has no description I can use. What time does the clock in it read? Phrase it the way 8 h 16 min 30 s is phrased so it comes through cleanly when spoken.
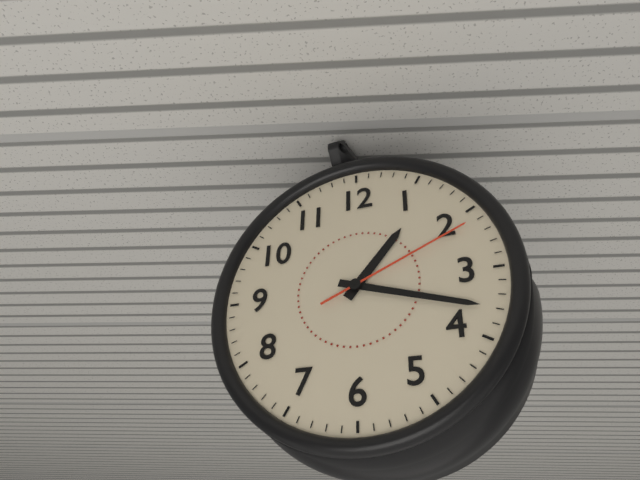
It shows 1 h 18 min 11 s
